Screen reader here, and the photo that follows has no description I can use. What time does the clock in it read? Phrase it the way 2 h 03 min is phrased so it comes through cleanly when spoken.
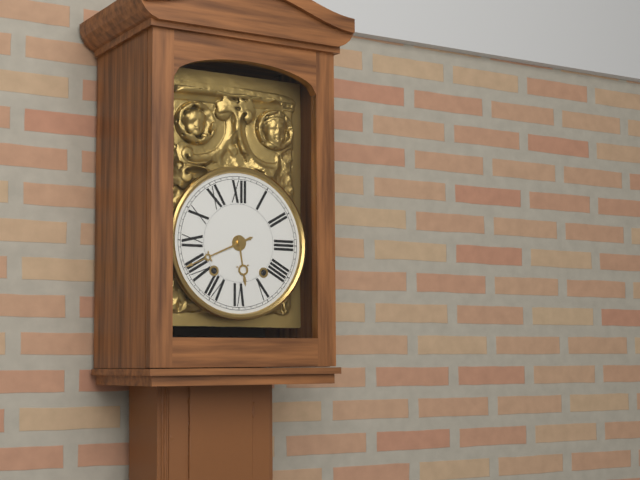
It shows 5 h 41 min
